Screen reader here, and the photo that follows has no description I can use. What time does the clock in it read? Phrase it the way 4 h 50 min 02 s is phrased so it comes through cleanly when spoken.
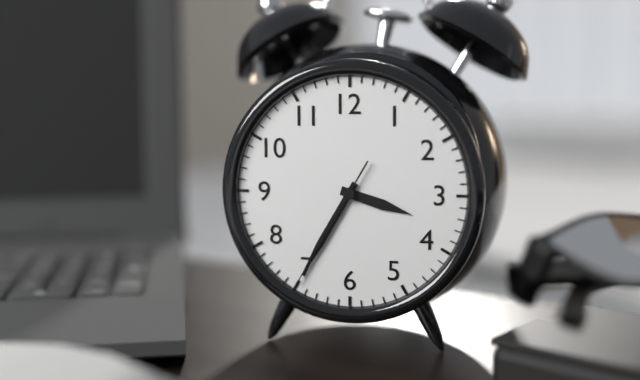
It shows 3 h 35 min 35 s
